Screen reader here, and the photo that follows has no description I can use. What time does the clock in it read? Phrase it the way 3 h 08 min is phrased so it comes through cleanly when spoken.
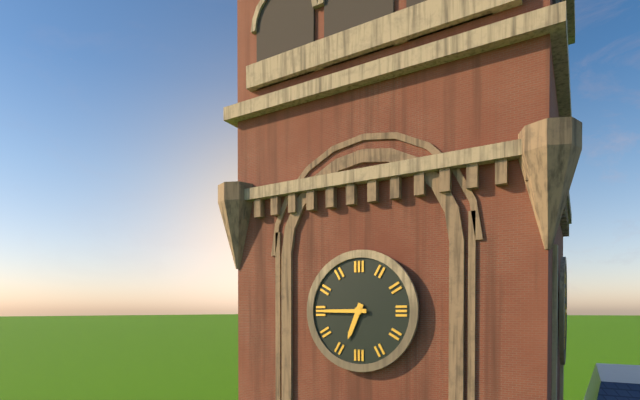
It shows 6 h 45 min
